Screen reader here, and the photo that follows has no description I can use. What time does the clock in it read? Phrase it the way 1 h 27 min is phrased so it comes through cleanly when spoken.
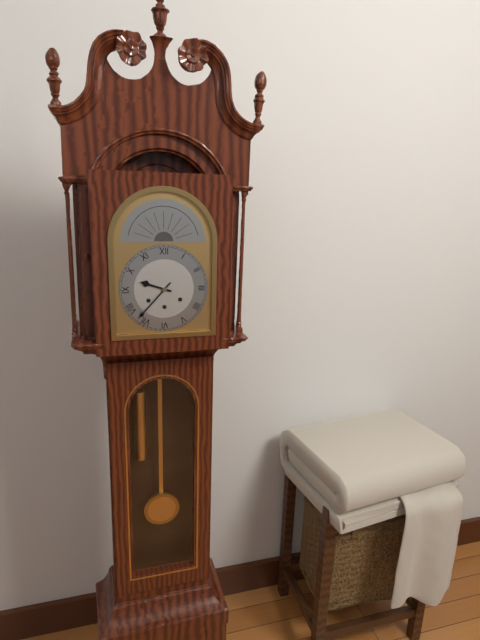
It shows 9 h 37 min
